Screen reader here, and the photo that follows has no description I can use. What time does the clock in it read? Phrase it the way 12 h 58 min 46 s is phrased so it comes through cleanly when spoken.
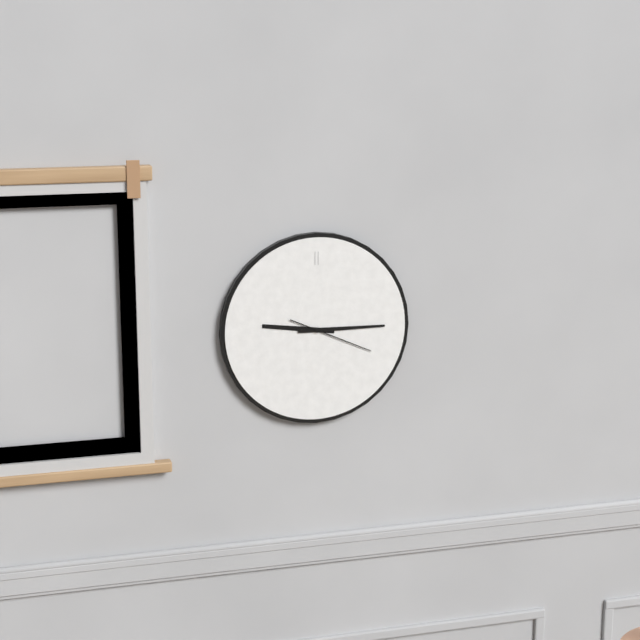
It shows 9 h 15 min 19 s
